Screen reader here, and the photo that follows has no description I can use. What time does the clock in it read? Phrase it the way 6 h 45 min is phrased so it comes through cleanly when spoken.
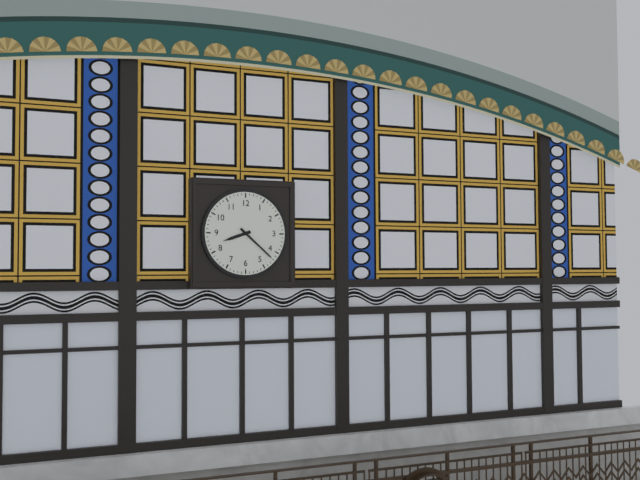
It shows 8 h 22 min
